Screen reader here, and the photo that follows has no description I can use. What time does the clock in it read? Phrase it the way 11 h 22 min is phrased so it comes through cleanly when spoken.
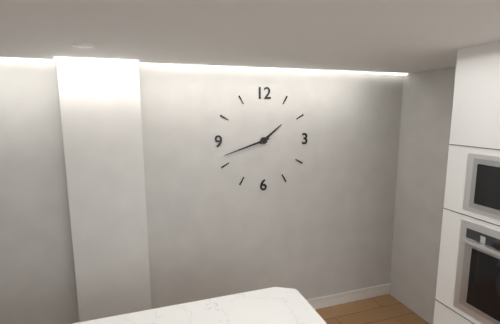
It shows 1 h 42 min
